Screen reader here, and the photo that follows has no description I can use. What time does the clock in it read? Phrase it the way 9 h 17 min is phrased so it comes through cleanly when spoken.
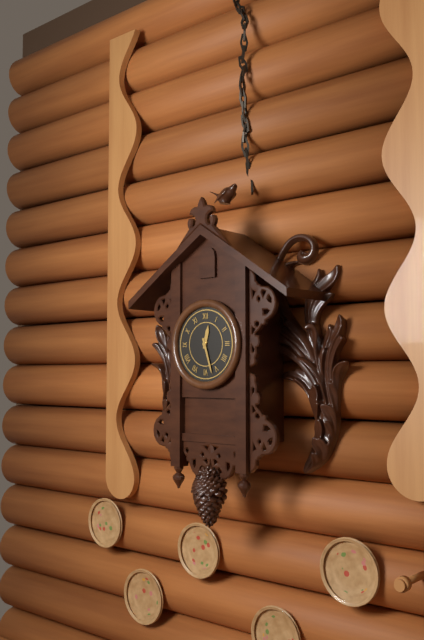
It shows 12 h 27 min
